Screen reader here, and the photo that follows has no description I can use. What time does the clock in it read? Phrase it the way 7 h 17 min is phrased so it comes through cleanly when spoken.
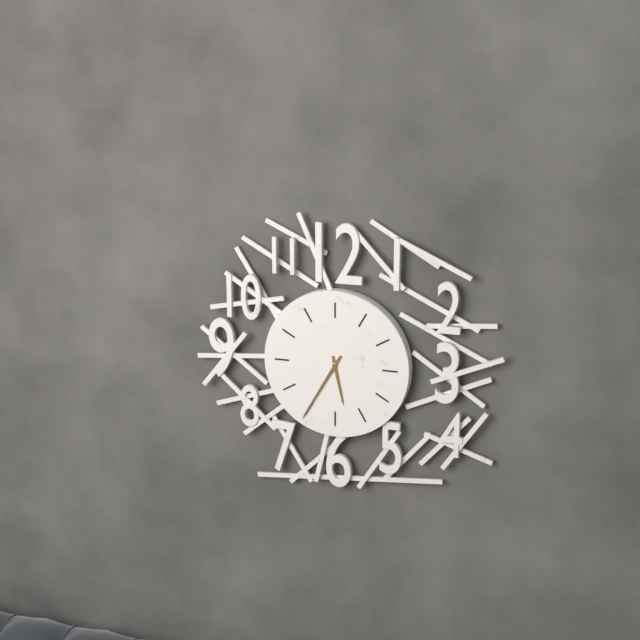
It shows 5 h 35 min
